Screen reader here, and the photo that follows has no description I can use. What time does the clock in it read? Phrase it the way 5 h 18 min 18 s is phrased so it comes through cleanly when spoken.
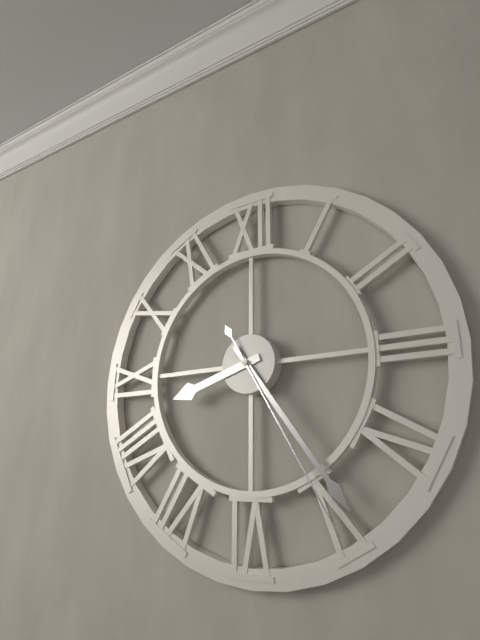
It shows 8 h 24 min 25 s
